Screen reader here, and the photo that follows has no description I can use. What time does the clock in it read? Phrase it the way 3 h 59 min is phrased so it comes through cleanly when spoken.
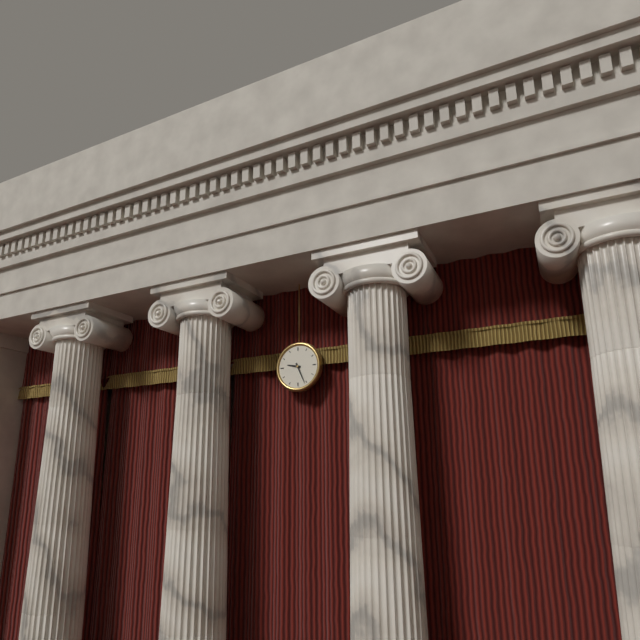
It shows 9 h 26 min
